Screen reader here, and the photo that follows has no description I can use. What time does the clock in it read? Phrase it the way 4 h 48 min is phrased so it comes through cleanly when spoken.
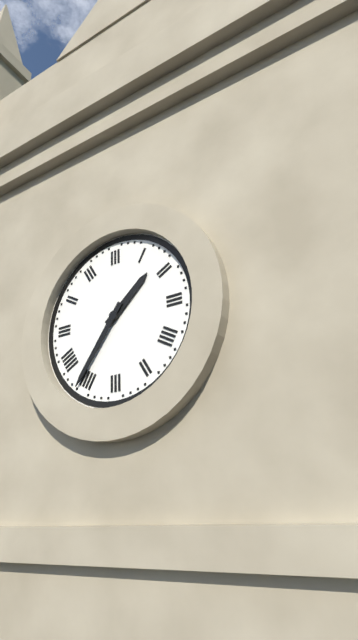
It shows 1 h 36 min
